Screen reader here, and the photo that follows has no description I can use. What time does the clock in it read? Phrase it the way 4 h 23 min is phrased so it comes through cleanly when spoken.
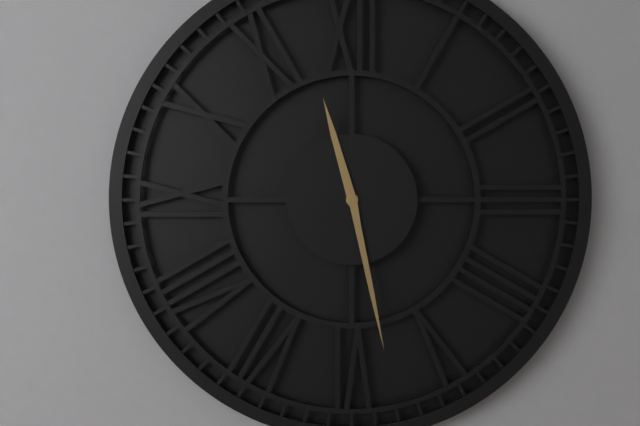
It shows 11 h 28 min
